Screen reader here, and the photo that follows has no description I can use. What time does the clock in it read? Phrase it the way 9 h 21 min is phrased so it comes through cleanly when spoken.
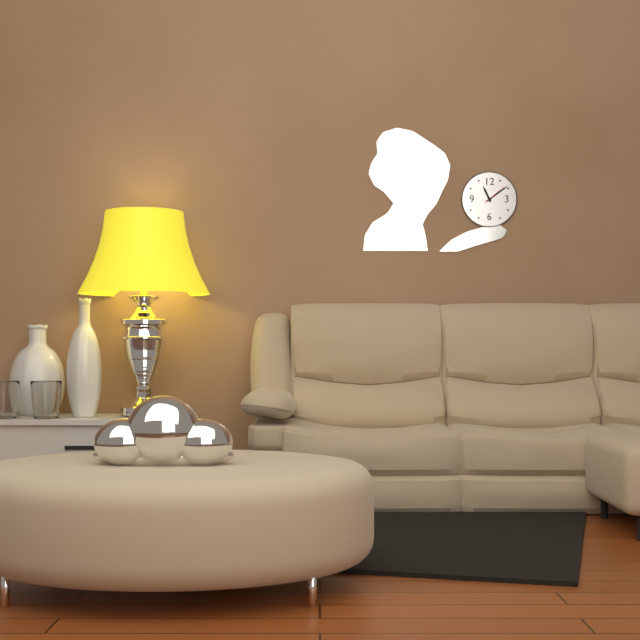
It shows 11 h 09 min
